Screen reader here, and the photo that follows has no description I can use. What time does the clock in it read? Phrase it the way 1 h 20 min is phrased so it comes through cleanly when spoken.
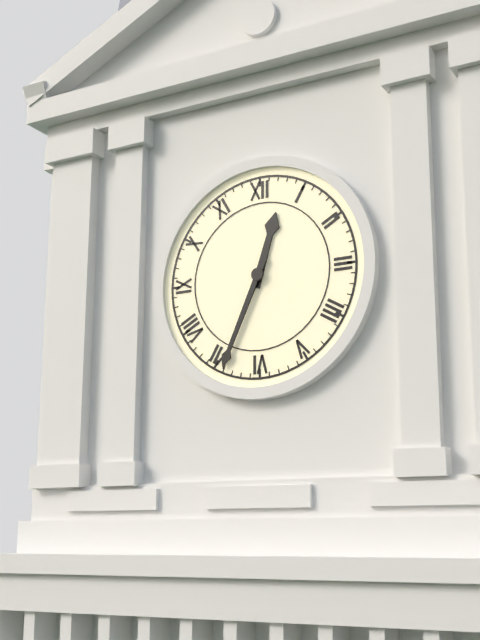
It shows 12 h 34 min
